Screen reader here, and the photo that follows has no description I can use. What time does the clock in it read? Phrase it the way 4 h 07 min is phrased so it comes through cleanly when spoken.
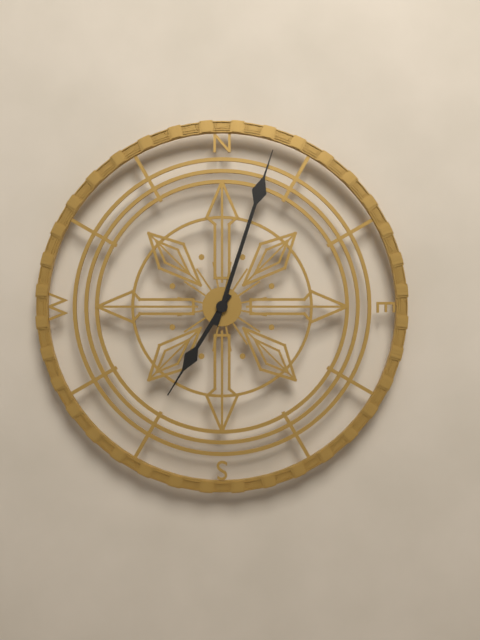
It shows 7 h 03 min
